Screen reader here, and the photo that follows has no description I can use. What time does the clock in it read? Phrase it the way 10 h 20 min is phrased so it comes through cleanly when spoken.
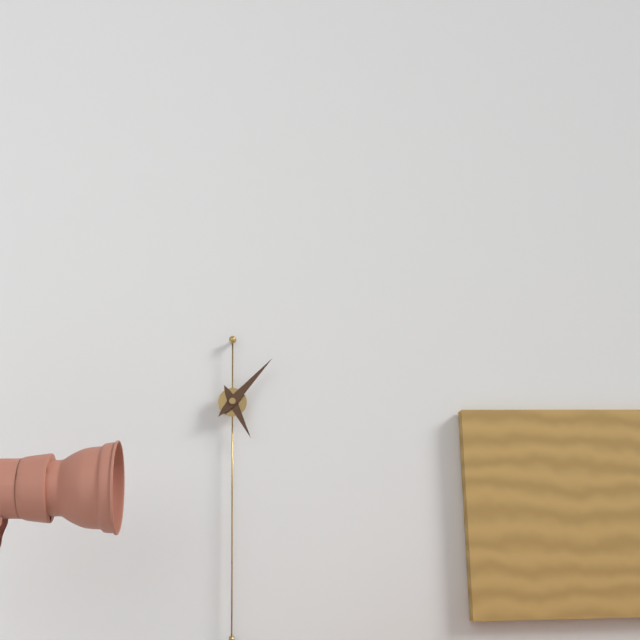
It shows 5 h 07 min
